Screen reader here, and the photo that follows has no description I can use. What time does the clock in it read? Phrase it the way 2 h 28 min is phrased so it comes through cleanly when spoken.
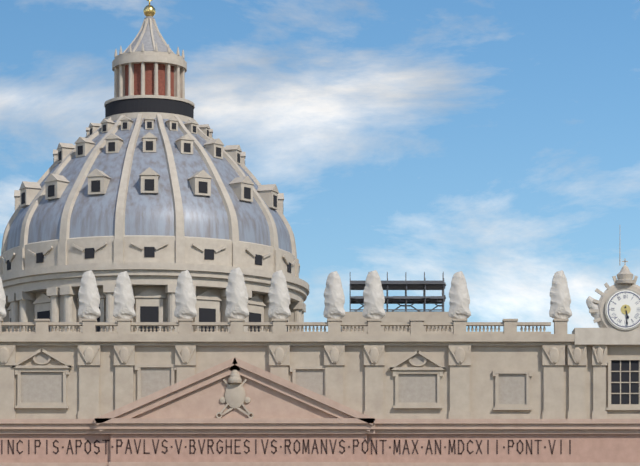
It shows 5 h 29 min
